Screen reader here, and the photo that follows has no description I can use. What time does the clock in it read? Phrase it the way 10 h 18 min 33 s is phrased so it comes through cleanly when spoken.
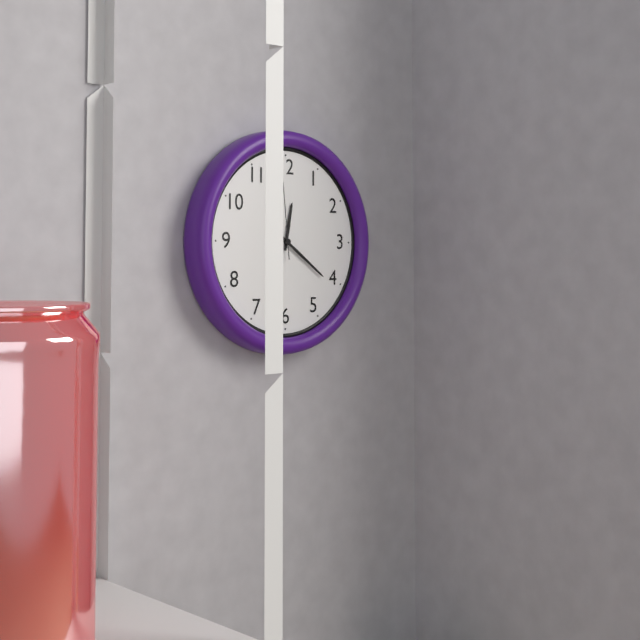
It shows 12 h 21 min 59 s
